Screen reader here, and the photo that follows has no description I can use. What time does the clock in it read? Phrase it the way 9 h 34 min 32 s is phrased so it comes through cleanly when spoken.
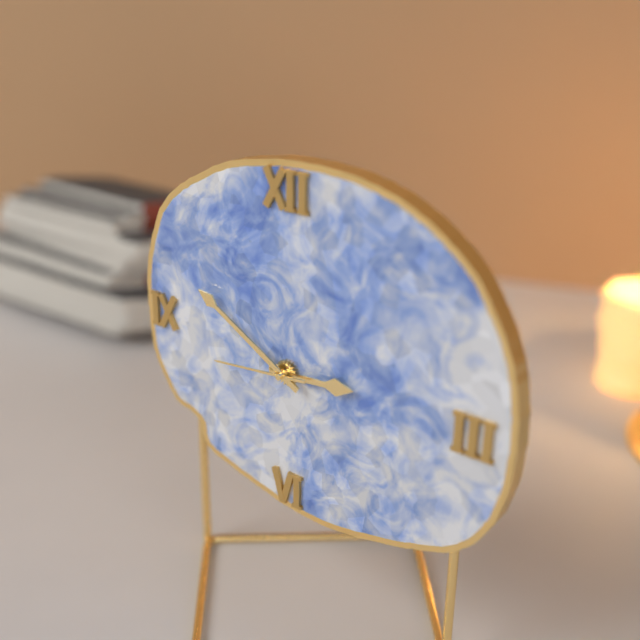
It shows 2 h 50 min 44 s
